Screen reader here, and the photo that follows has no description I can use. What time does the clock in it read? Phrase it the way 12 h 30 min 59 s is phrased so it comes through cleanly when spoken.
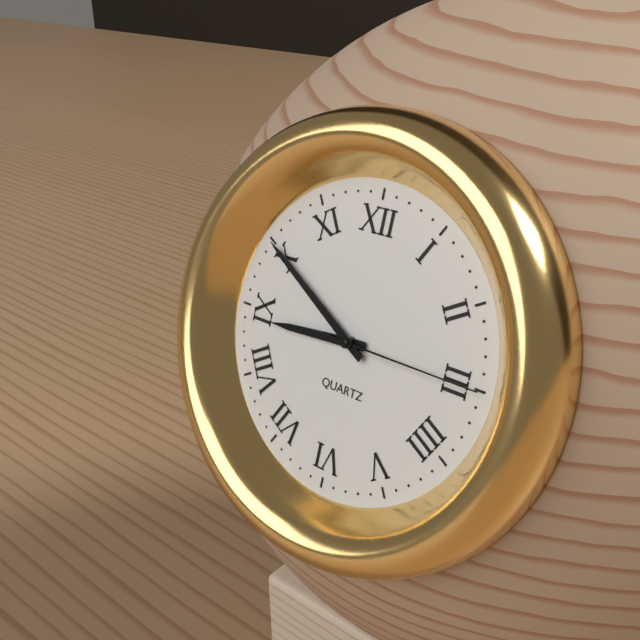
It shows 8 h 50 min 15 s
